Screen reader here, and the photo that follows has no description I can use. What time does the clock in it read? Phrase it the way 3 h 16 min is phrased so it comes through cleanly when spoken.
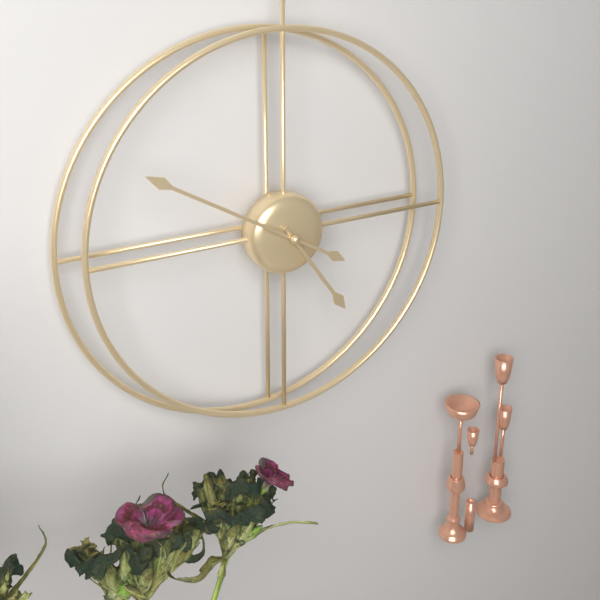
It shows 4 h 50 min
